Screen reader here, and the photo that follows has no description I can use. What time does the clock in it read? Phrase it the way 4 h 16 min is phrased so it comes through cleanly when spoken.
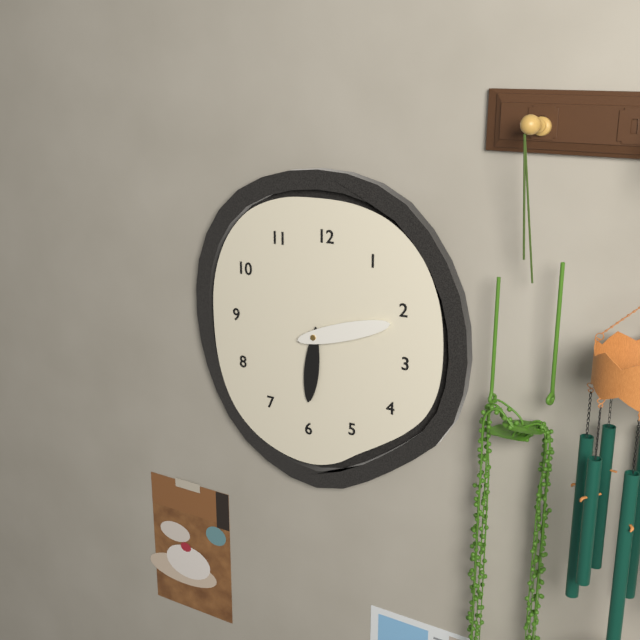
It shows 6 h 12 min
